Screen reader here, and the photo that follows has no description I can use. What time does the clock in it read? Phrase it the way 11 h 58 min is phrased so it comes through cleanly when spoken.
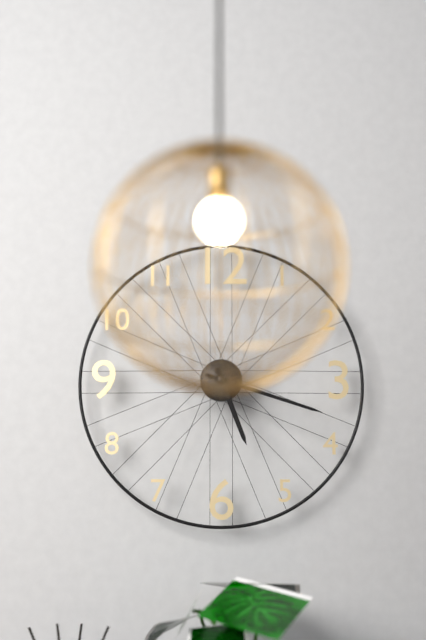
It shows 5 h 18 min
